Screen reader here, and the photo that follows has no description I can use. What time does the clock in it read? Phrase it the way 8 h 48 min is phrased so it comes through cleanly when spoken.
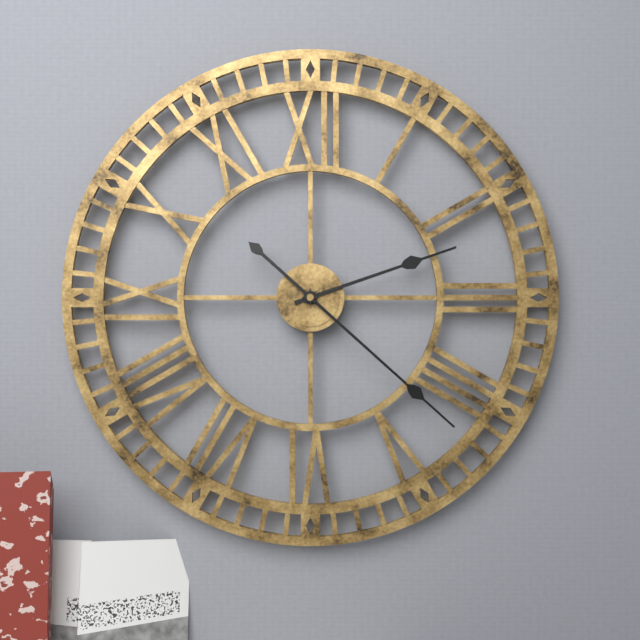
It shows 2 h 22 min
